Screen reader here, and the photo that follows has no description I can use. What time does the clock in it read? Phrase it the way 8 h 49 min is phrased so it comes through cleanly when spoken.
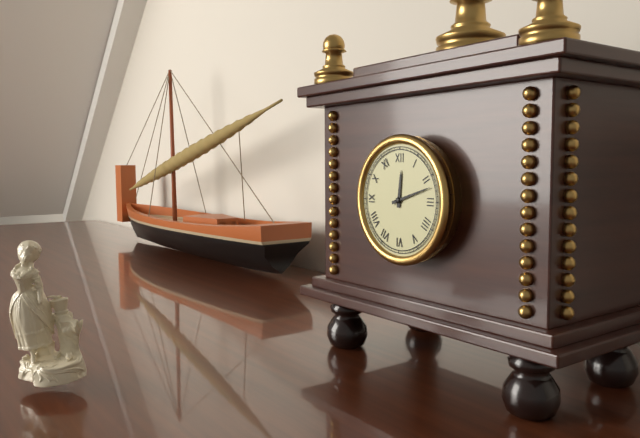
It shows 12 h 12 min
